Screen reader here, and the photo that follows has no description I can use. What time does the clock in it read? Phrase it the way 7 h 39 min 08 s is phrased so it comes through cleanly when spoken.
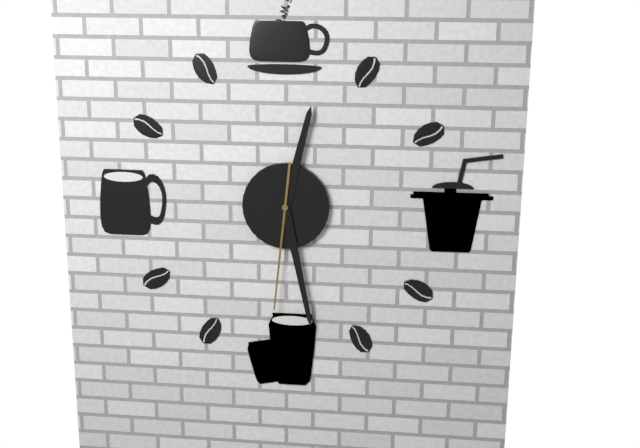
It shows 12 h 28 min 31 s
